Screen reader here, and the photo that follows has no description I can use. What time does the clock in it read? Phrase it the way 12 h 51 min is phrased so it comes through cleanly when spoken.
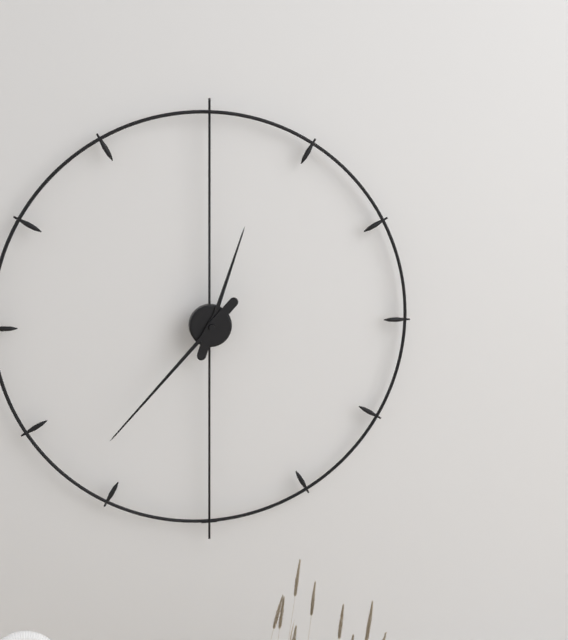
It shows 12 h 37 min
